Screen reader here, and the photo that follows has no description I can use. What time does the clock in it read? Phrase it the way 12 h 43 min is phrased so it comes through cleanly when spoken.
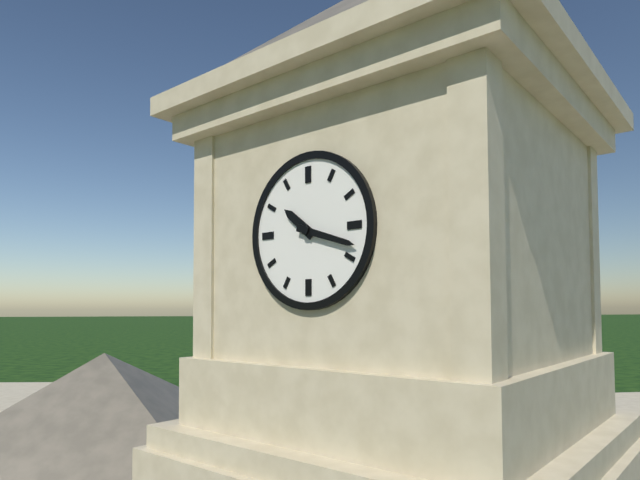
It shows 10 h 18 min
